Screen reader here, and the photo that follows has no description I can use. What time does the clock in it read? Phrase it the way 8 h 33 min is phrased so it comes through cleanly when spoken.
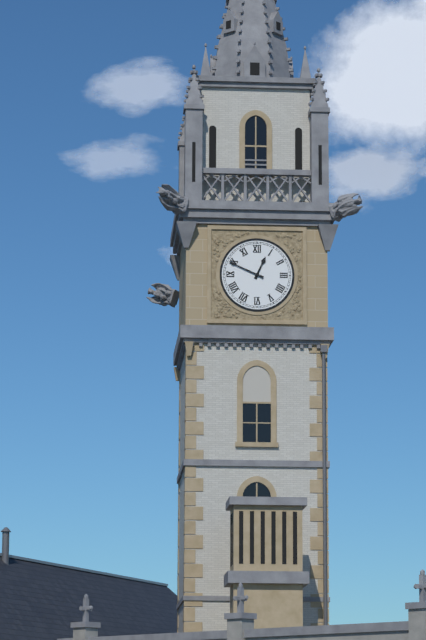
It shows 12 h 49 min
